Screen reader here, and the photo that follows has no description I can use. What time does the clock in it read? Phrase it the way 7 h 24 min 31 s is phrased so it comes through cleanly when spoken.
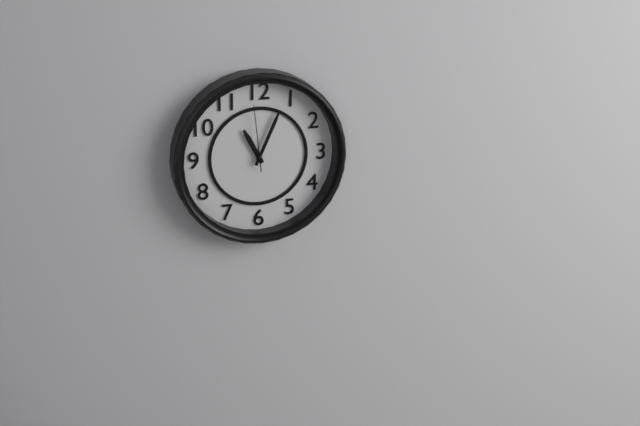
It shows 11 h 04 min 59 s
